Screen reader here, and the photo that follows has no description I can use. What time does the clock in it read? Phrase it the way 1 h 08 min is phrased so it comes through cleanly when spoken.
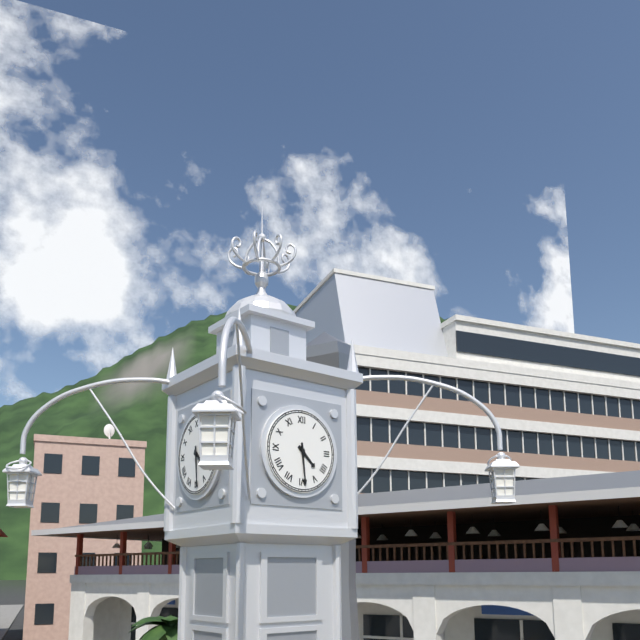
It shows 4 h 29 min
